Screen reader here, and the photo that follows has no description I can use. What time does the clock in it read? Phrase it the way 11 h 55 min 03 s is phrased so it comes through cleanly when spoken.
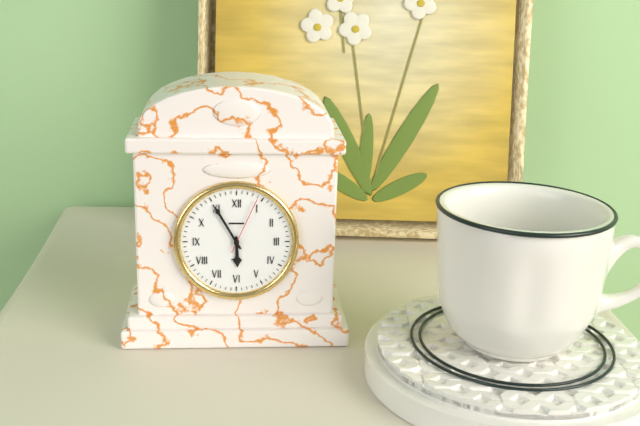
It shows 5 h 55 min 04 s
